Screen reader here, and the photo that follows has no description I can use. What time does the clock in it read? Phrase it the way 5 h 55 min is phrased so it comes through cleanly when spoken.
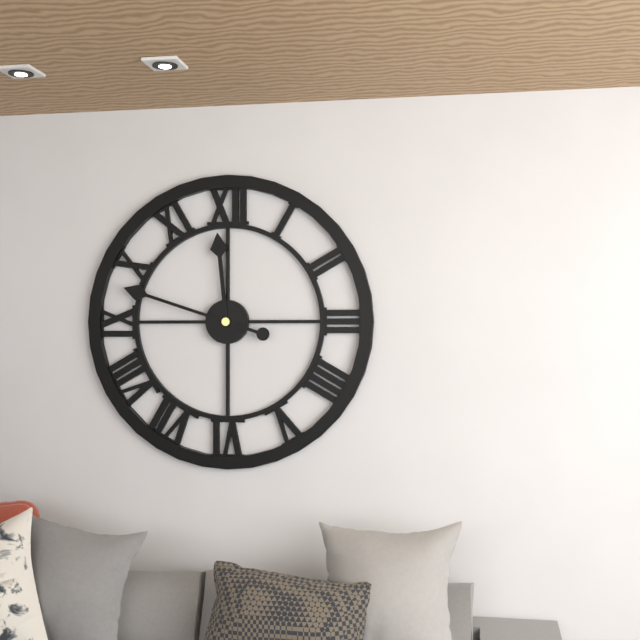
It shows 11 h 48 min
